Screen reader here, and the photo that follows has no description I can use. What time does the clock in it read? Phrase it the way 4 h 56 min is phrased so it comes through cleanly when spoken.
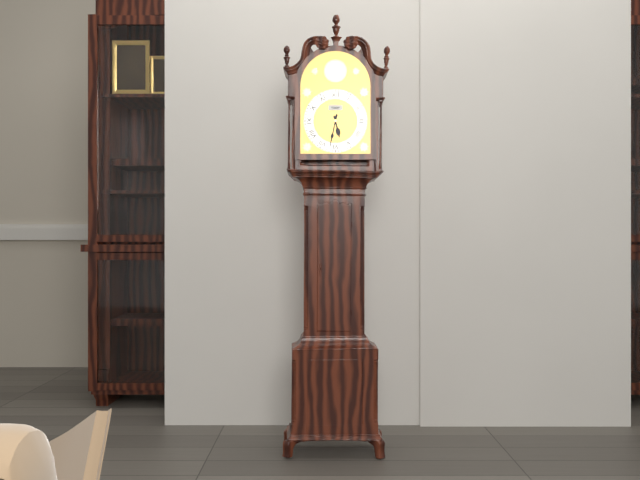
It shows 5 h 32 min
